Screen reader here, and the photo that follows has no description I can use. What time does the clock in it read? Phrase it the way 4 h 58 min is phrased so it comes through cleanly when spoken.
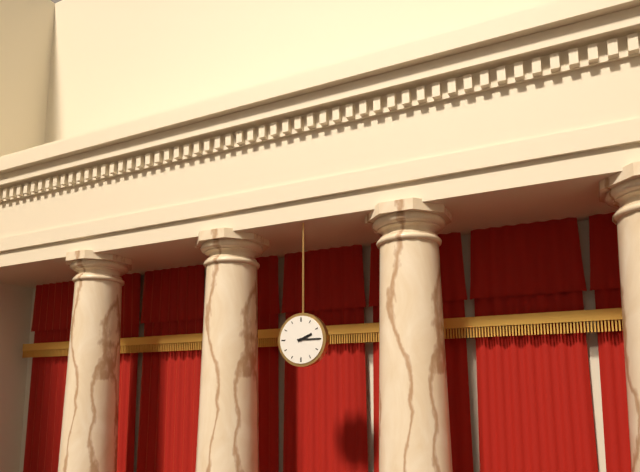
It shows 2 h 15 min
